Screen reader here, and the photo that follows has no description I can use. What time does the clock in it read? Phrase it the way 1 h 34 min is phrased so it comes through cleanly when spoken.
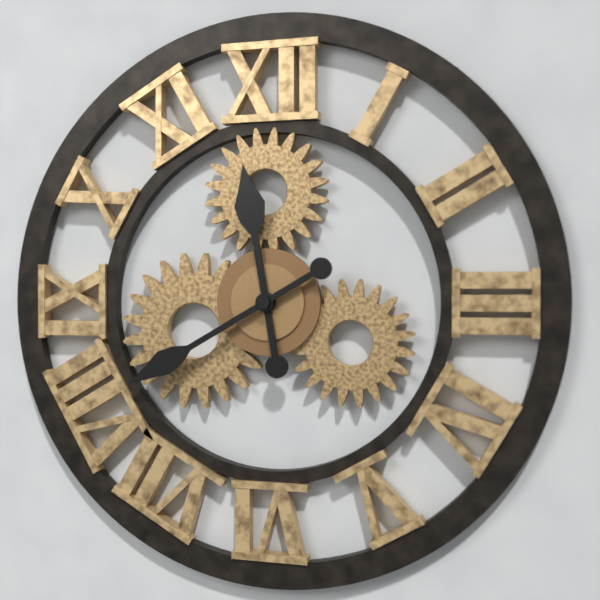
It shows 11 h 40 min
